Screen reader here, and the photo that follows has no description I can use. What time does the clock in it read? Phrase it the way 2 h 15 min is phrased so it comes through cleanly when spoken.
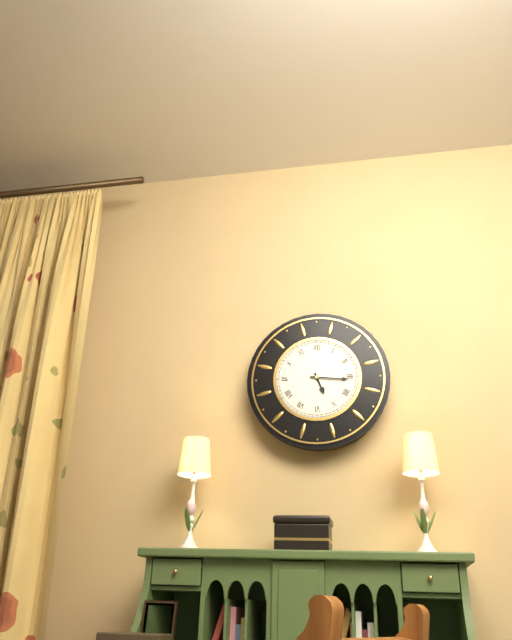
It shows 5 h 16 min
